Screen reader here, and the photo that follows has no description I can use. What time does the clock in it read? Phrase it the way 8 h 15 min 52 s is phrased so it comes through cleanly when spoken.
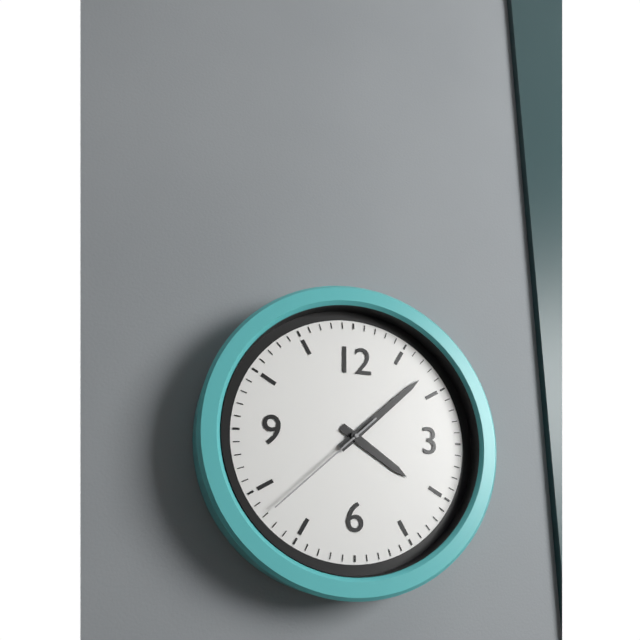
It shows 4 h 08 min 38 s
